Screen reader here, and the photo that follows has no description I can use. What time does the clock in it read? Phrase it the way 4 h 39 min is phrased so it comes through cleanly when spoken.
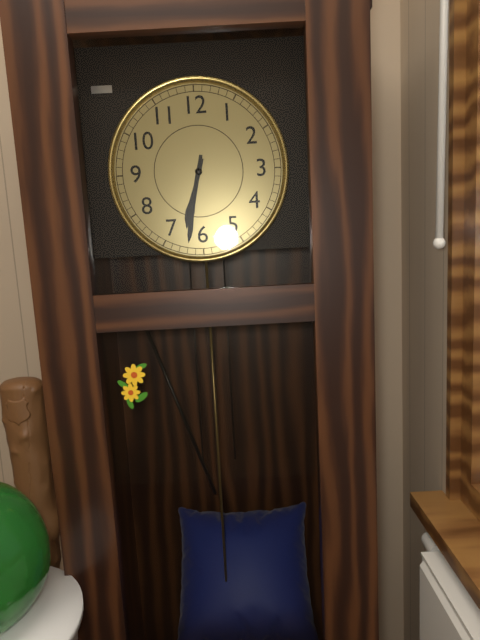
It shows 6 h 32 min
